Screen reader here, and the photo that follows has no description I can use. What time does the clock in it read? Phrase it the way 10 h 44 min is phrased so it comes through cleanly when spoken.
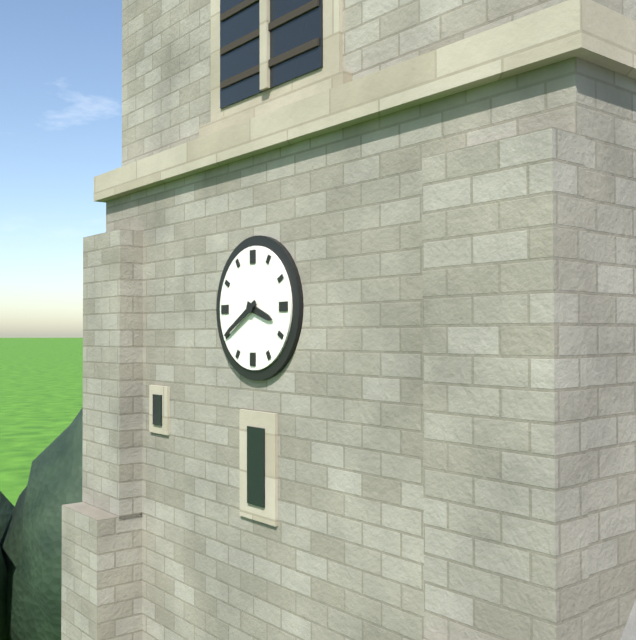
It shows 3 h 40 min
